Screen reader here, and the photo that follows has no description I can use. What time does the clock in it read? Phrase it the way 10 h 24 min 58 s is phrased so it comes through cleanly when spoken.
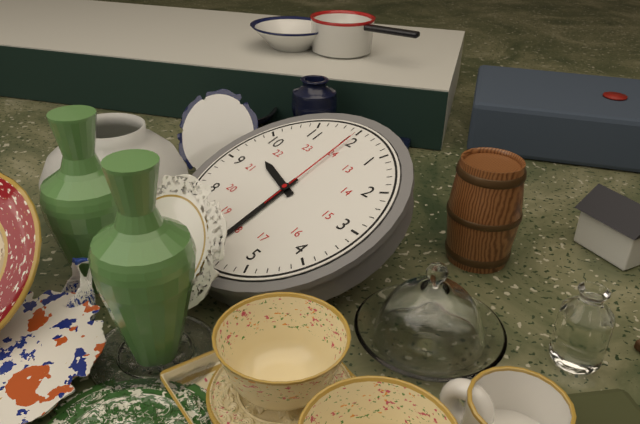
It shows 9 h 30 min 00 s
